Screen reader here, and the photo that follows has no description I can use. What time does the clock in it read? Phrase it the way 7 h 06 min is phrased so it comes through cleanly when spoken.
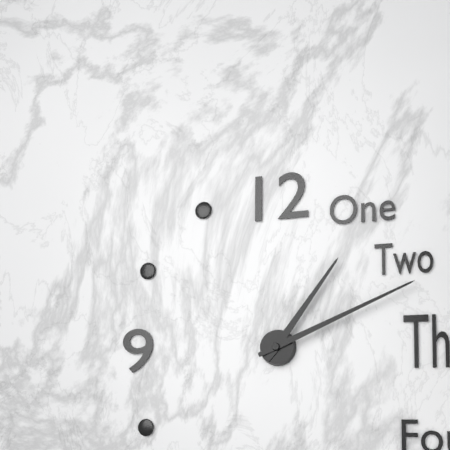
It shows 1 h 11 min
